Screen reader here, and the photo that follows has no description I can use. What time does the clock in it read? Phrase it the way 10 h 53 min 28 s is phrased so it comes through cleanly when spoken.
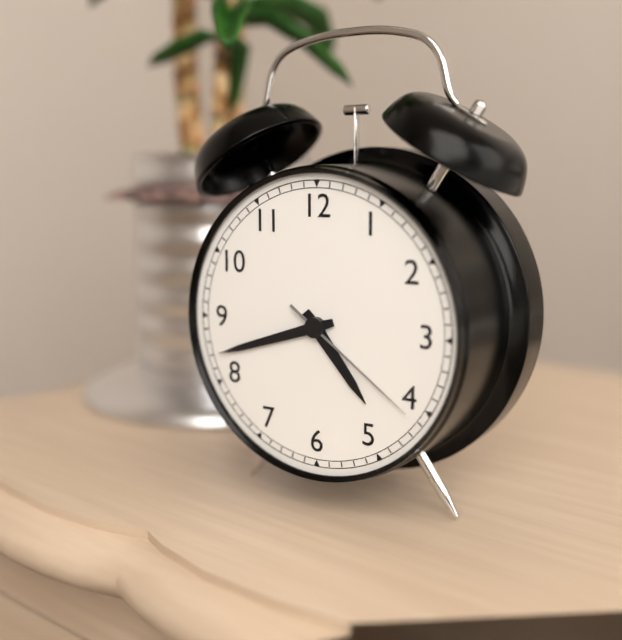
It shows 4 h 42 min 21 s
